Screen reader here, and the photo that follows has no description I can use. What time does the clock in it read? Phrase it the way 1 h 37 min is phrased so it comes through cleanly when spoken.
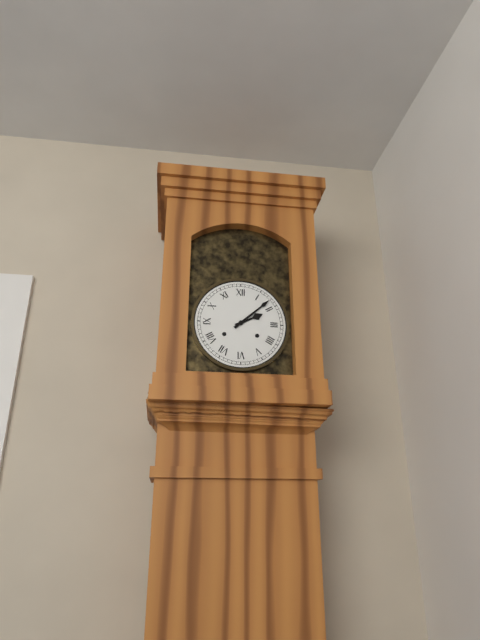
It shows 2 h 08 min
